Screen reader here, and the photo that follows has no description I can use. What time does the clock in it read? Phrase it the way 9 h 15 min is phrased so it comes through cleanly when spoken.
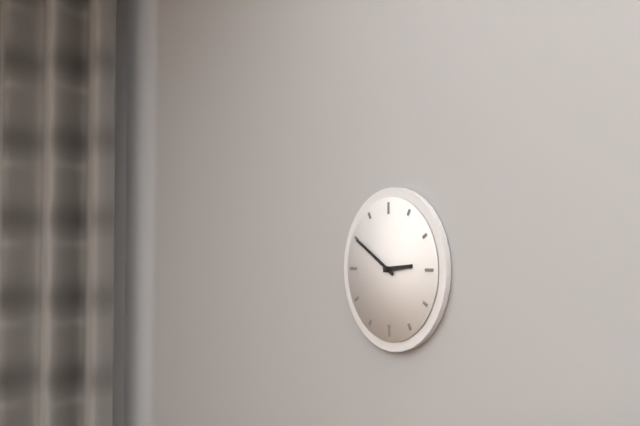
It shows 2 h 50 min
